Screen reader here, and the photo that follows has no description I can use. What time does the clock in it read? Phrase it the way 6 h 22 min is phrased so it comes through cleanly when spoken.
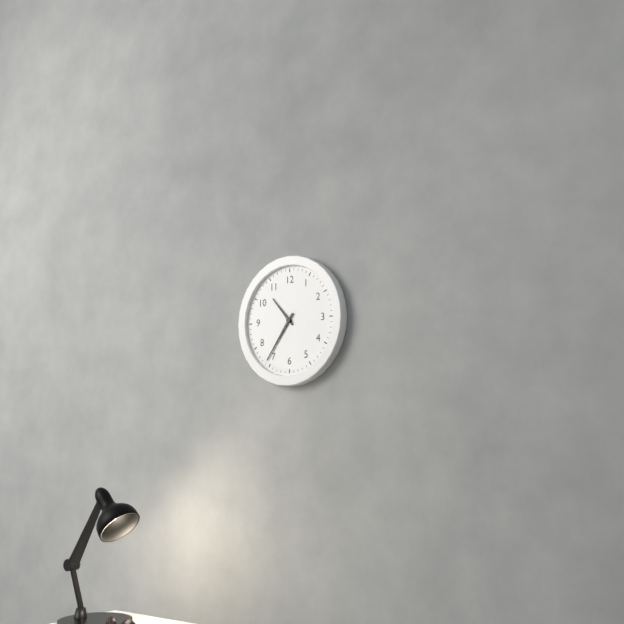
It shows 10 h 36 min
